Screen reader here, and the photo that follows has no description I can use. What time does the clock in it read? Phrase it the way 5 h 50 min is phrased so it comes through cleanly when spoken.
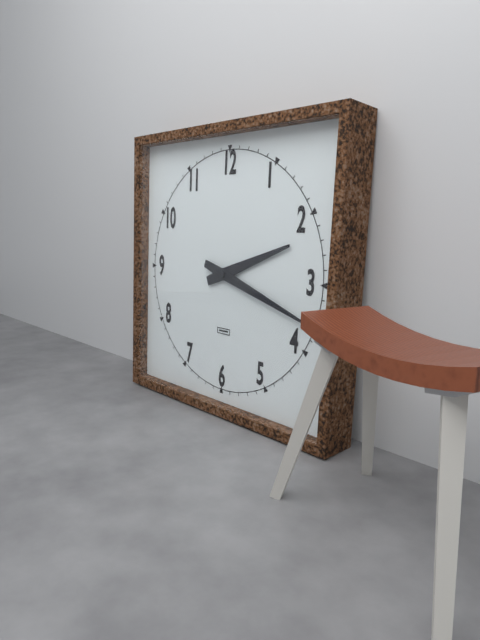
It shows 2 h 18 min
